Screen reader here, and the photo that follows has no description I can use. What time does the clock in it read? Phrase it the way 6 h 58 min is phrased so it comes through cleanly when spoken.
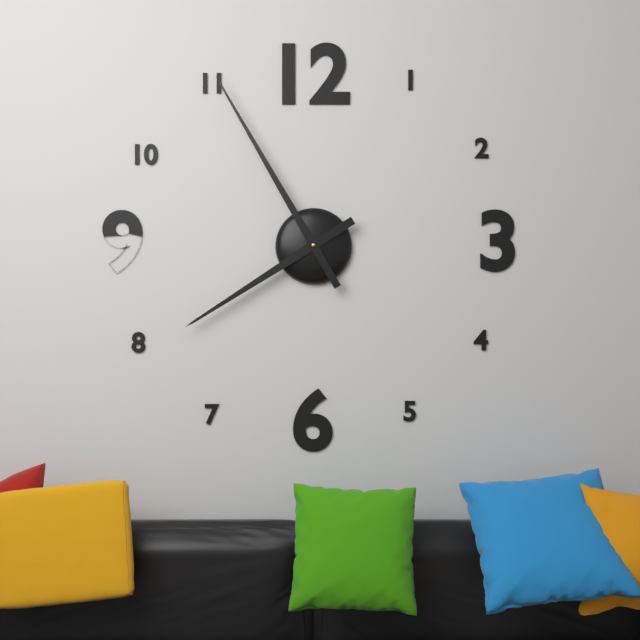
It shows 7 h 55 min
